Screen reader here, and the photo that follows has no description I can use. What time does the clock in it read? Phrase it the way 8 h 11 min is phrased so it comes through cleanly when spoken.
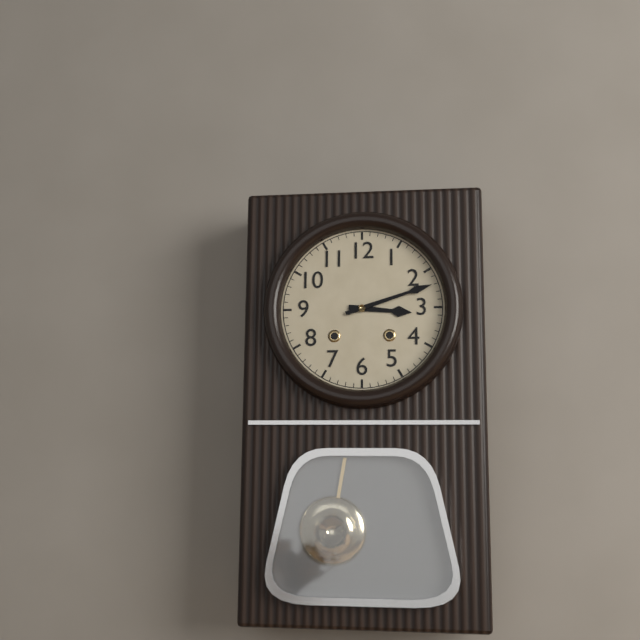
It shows 3 h 12 min
